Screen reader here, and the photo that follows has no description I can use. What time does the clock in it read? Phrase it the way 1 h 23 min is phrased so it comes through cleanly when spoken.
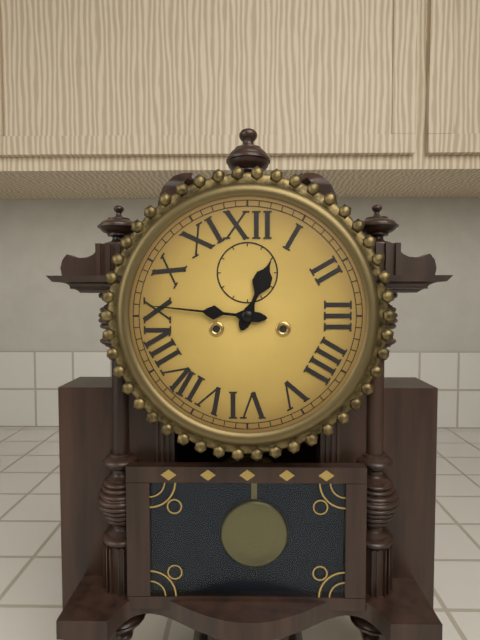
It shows 12 h 46 min
